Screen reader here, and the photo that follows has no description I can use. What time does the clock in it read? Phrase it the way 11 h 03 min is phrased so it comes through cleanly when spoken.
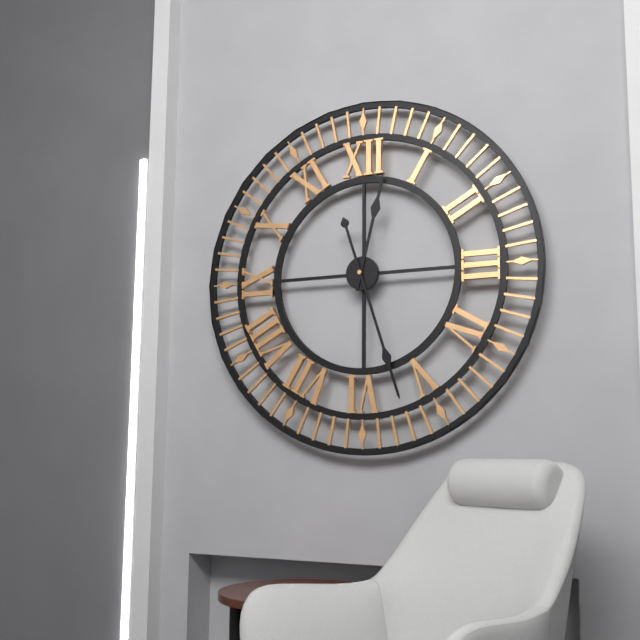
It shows 12 h 27 min
